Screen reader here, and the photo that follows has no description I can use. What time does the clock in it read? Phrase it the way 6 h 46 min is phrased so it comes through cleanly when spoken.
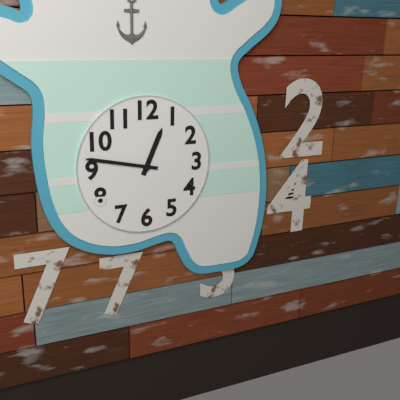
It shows 12 h 47 min
